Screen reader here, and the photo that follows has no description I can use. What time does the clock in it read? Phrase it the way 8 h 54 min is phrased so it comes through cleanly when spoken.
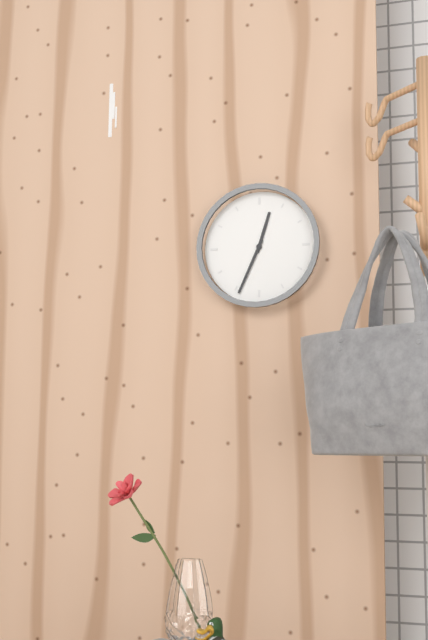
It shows 12 h 34 min
